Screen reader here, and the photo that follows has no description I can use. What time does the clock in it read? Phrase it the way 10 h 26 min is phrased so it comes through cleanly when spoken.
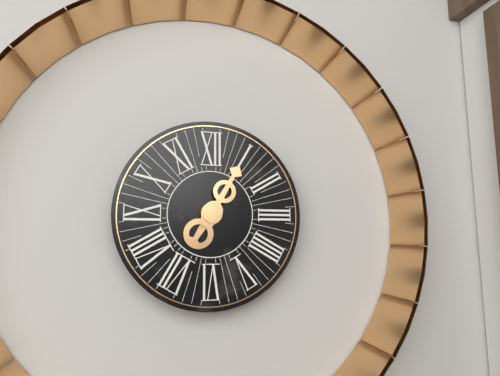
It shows 7 h 05 min
